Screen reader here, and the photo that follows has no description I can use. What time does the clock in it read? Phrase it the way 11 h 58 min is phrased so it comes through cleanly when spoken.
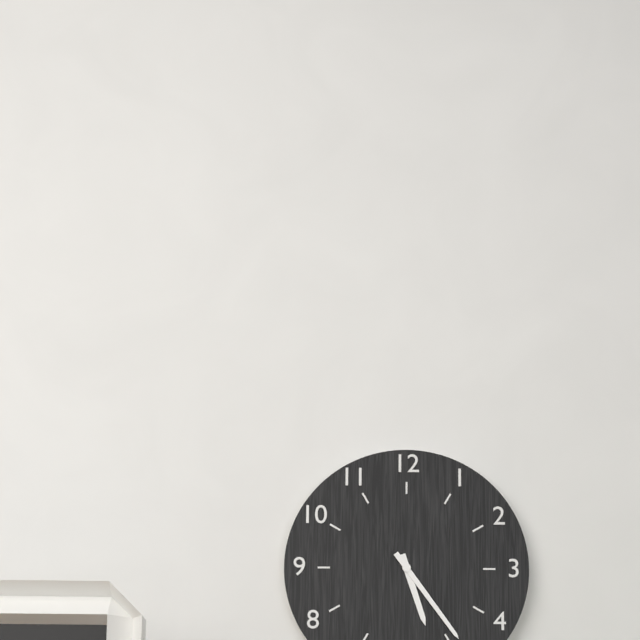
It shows 5 h 24 min
